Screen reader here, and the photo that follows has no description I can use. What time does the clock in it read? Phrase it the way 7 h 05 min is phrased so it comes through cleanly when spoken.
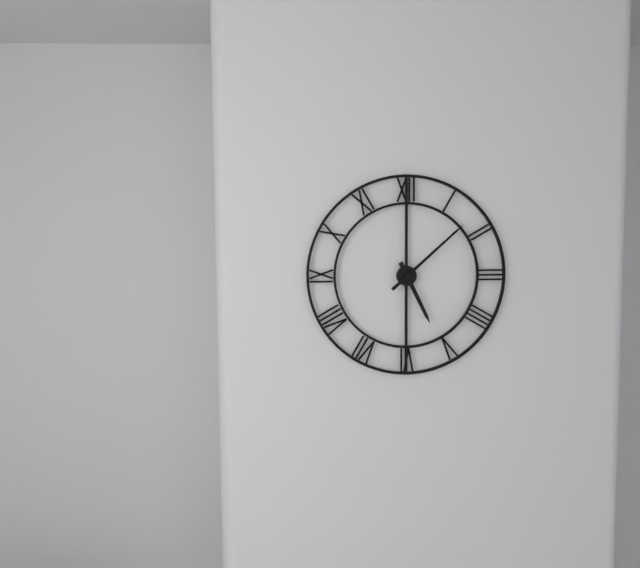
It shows 5 h 08 min
